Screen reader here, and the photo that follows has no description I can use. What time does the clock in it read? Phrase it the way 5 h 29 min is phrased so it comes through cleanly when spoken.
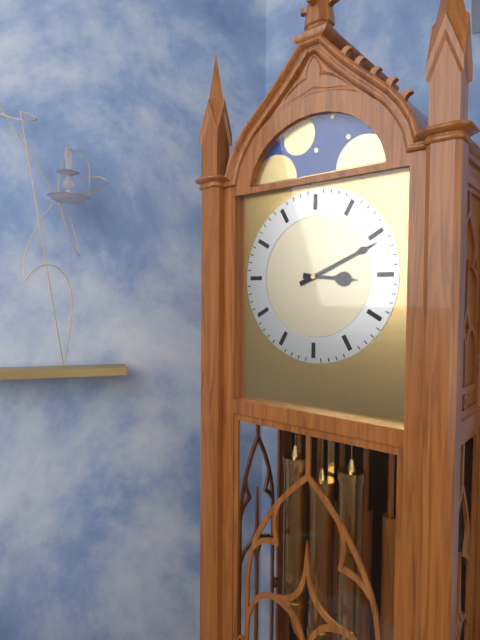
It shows 3 h 11 min
